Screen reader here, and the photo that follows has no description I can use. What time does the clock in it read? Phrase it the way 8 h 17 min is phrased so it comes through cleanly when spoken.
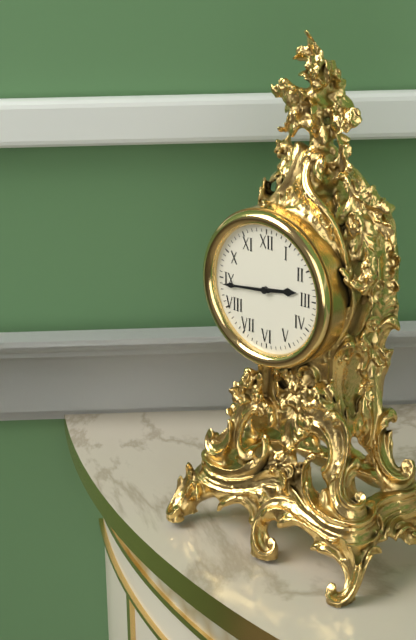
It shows 2 h 44 min
